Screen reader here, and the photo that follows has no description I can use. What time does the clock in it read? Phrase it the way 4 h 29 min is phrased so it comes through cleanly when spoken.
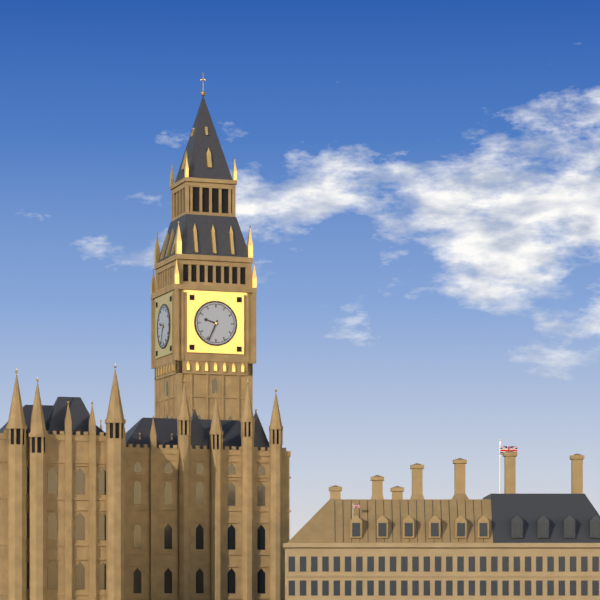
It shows 9 h 34 min
